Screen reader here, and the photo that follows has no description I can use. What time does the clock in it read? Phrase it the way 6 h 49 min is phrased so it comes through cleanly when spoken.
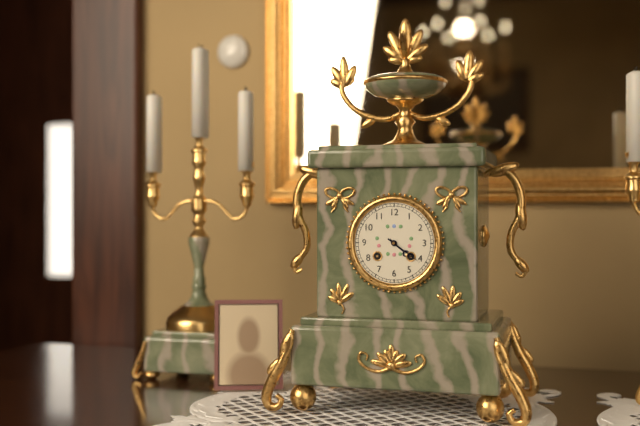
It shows 4 h 21 min
